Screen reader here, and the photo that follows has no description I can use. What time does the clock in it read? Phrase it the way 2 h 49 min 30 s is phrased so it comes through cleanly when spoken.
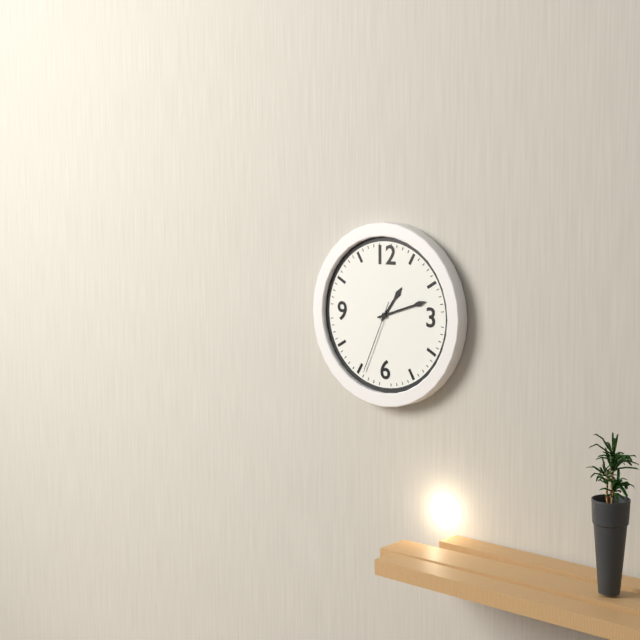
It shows 1 h 12 min 34 s
